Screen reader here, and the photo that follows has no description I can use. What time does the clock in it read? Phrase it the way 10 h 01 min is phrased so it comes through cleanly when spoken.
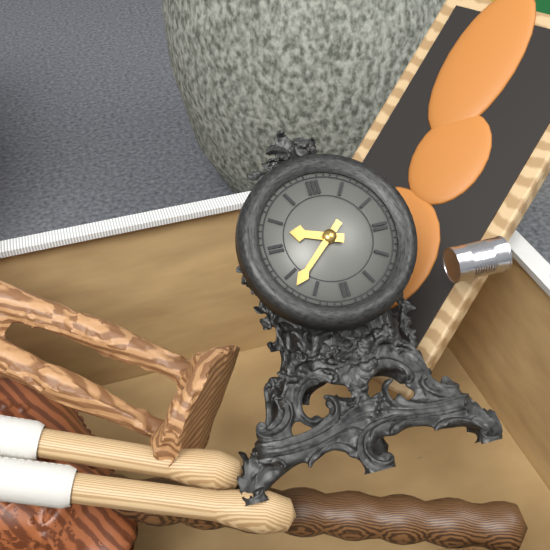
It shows 9 h 38 min
